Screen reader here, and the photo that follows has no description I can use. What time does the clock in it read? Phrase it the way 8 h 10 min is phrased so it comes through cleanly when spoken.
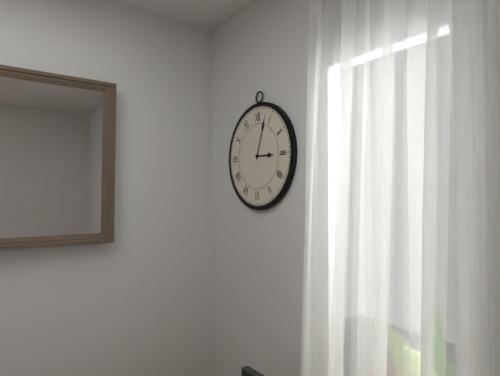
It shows 3 h 03 min
